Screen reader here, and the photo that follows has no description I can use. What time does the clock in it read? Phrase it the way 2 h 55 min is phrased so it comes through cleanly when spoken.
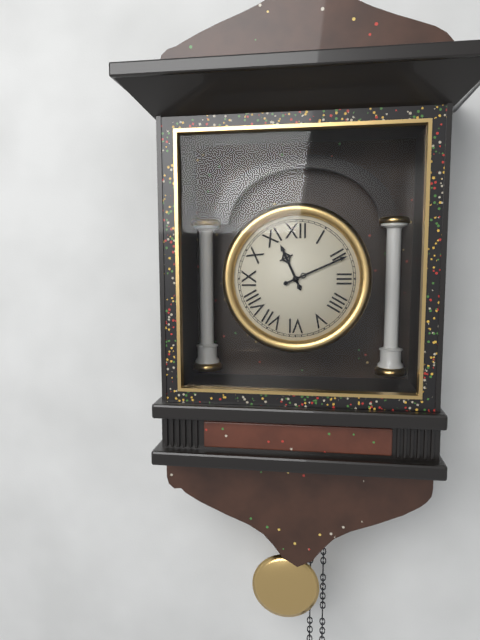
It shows 11 h 11 min
